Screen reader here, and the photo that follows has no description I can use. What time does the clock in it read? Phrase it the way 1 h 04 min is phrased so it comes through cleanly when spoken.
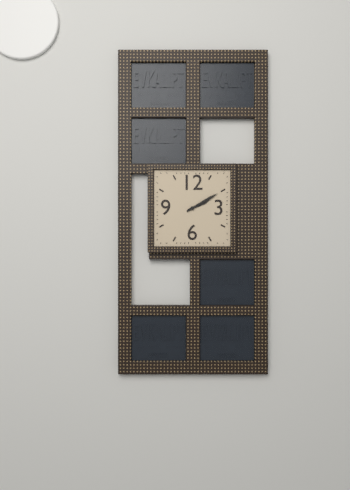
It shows 2 h 10 min
